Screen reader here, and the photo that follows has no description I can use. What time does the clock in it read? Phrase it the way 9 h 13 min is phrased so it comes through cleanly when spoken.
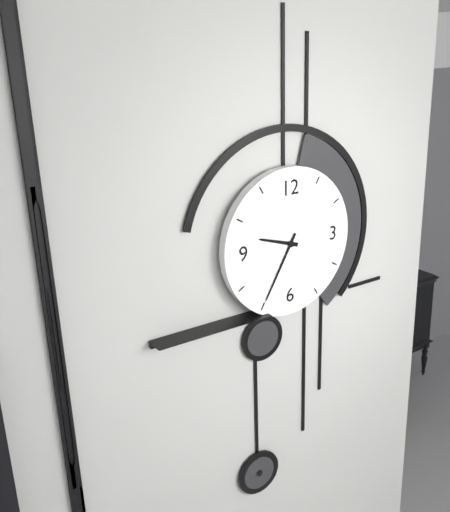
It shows 9 h 35 min
